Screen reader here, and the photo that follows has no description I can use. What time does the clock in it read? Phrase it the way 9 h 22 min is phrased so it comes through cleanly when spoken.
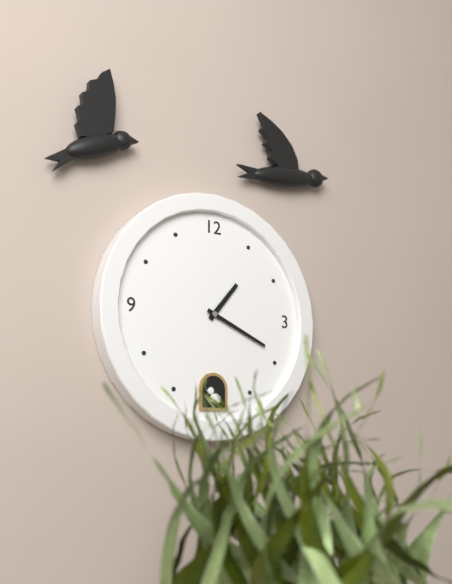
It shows 1 h 19 min
